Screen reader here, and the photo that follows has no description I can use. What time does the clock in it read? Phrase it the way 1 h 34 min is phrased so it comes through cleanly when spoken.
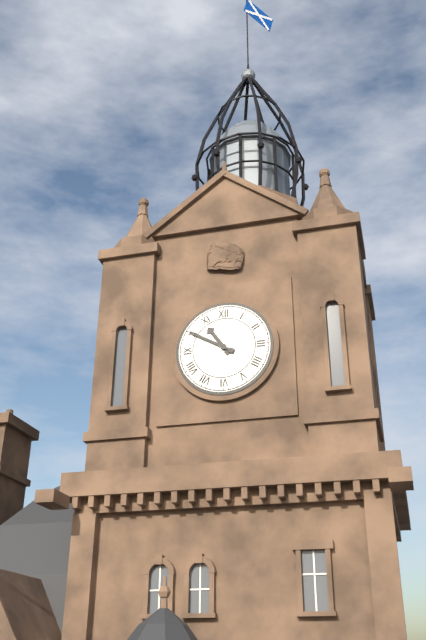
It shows 10 h 50 min
